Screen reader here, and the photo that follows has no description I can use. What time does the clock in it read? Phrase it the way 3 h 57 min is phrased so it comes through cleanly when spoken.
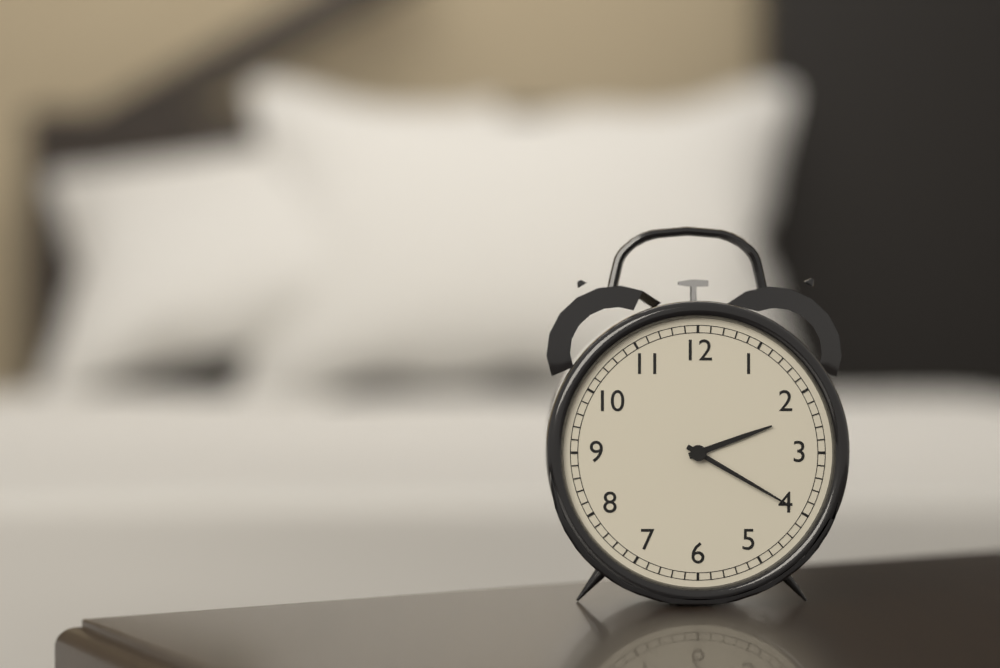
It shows 2 h 20 min
